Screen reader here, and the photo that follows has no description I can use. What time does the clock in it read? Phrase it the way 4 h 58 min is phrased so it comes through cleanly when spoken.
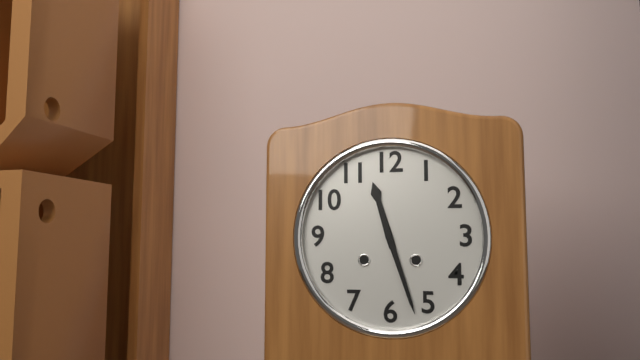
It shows 11 h 27 min
